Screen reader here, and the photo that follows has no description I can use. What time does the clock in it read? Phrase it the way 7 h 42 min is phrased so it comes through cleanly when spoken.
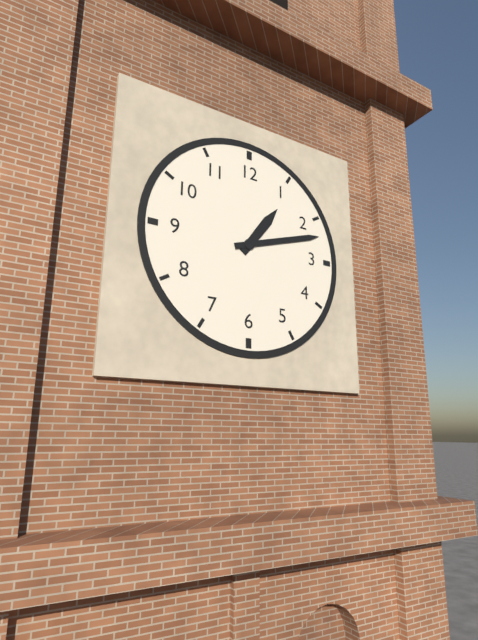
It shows 1 h 12 min
